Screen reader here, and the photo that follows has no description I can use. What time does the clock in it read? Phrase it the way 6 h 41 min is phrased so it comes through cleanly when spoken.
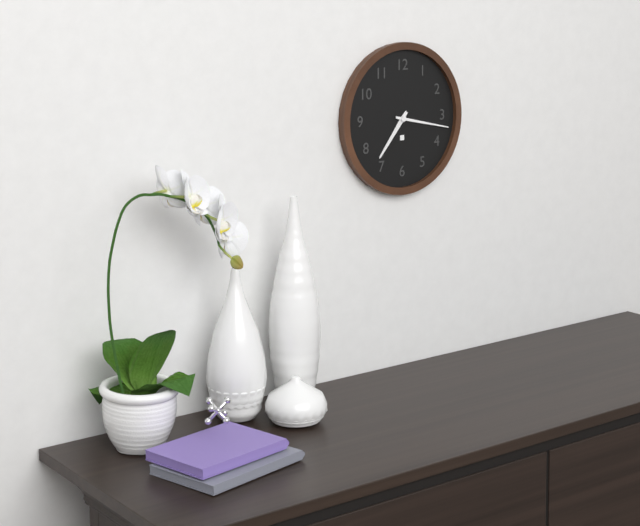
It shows 7 h 17 min
